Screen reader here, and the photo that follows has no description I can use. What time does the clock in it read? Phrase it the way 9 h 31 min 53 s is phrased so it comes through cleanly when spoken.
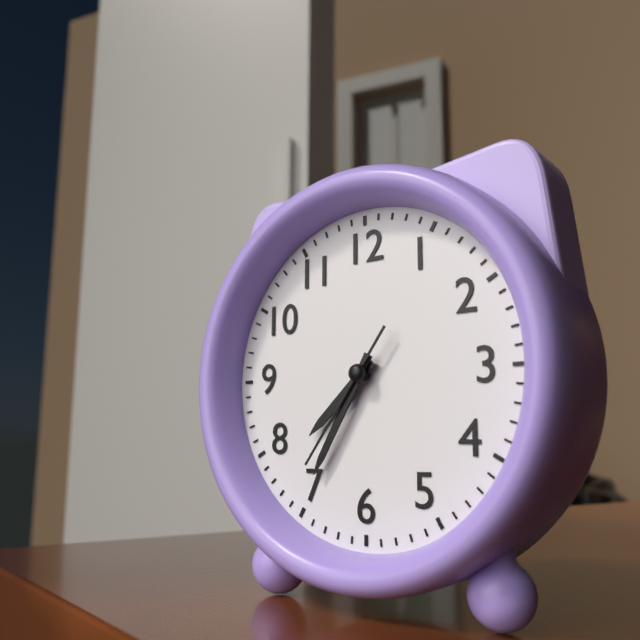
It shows 7 h 35 min 36 s
